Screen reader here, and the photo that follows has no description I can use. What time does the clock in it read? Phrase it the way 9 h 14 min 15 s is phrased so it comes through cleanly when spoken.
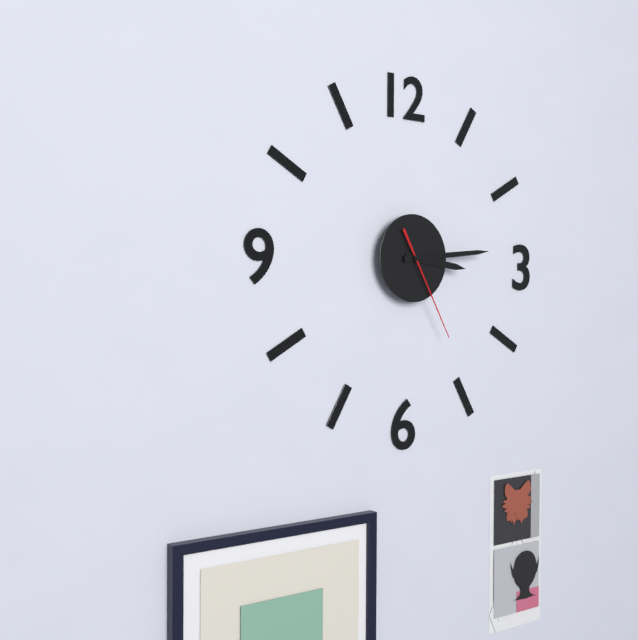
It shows 3 h 14 min 25 s
